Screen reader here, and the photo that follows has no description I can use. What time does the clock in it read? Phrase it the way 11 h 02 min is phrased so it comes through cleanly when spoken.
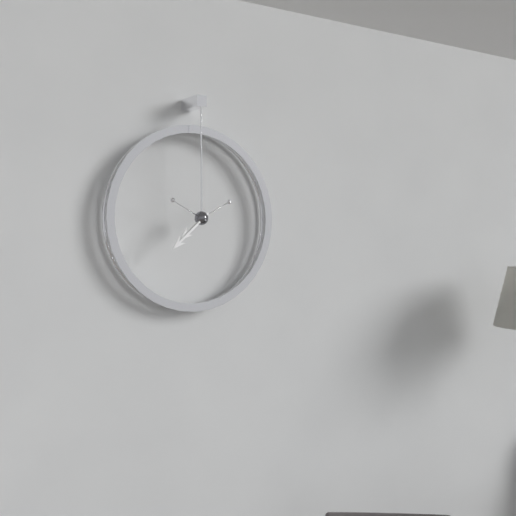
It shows 7 h 38 min
